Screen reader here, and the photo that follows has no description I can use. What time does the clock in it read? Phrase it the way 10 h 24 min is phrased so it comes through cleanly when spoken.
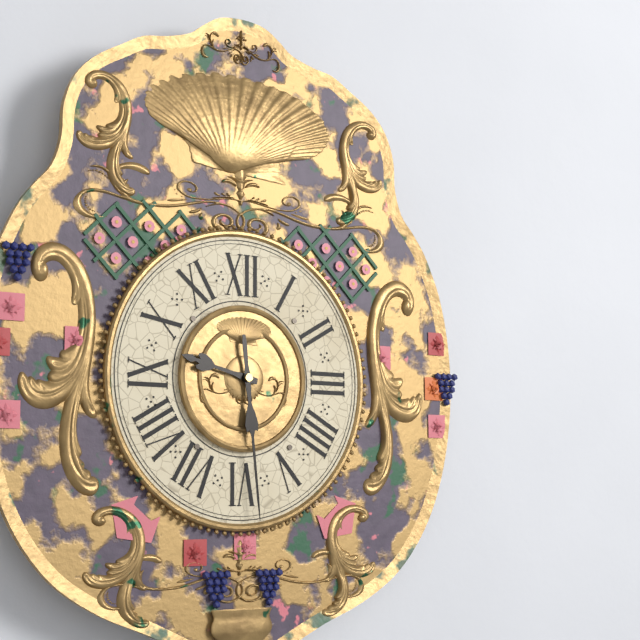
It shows 9 h 29 min
